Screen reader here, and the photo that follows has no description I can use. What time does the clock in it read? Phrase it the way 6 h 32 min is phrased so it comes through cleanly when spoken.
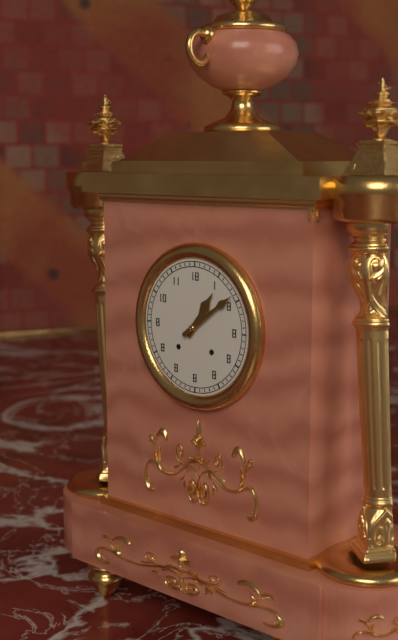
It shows 1 h 09 min
